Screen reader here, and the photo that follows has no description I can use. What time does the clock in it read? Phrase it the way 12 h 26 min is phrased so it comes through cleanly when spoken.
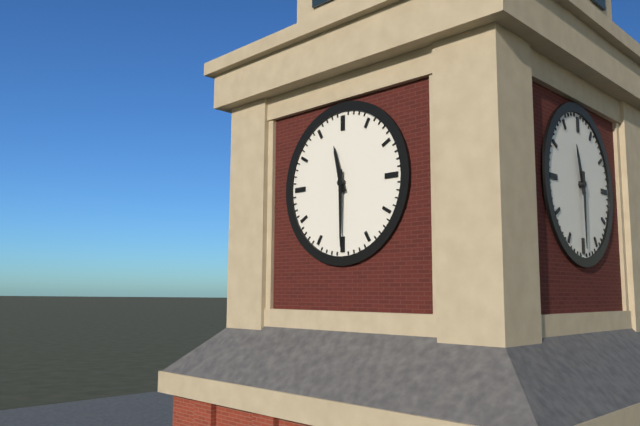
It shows 11 h 30 min
